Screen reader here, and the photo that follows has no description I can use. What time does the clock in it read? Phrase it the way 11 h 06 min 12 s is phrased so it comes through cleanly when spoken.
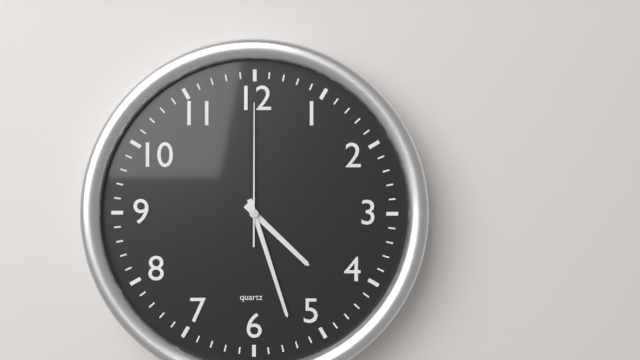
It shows 4 h 27 min 00 s
